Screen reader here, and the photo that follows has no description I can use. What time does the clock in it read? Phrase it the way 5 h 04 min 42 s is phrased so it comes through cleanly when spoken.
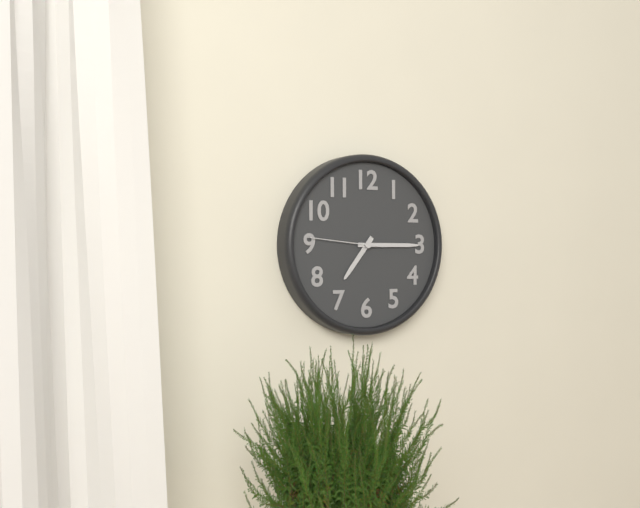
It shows 7 h 15 min 46 s
